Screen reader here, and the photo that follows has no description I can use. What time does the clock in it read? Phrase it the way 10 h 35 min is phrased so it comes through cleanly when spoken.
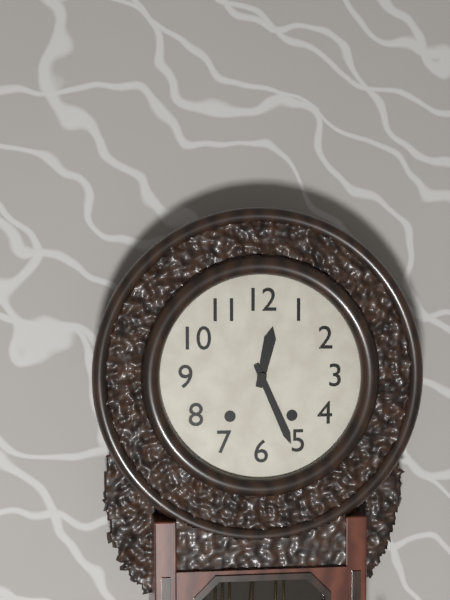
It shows 12 h 26 min
